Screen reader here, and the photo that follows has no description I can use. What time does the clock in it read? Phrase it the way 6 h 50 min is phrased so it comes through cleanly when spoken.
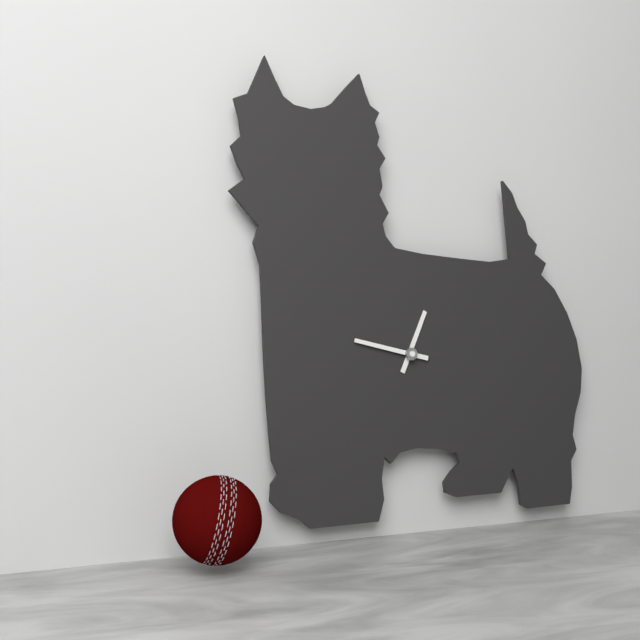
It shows 12 h 47 min
